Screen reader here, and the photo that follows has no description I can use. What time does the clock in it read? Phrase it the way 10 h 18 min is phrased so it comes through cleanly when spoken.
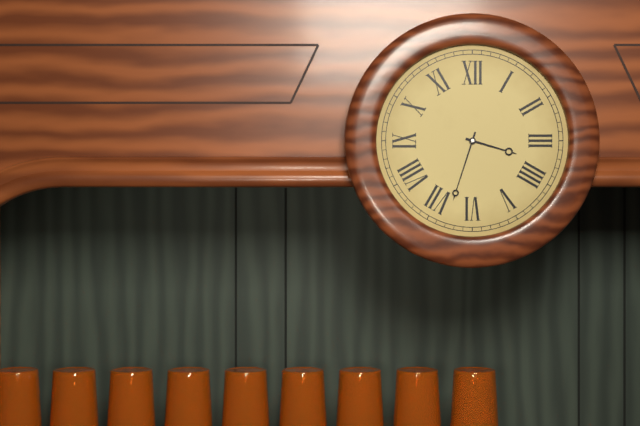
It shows 3 h 33 min
